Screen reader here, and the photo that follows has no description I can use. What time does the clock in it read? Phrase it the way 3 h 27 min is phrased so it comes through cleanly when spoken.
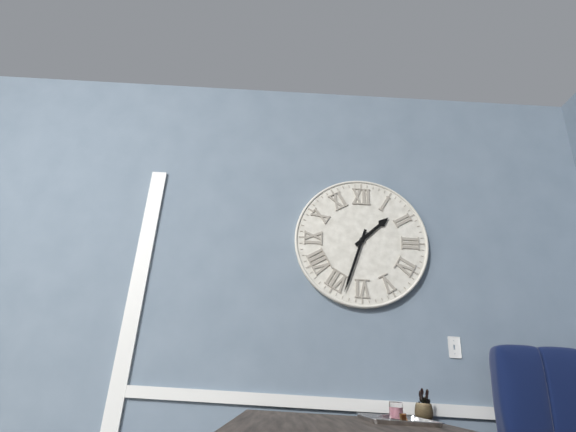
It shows 1 h 33 min
